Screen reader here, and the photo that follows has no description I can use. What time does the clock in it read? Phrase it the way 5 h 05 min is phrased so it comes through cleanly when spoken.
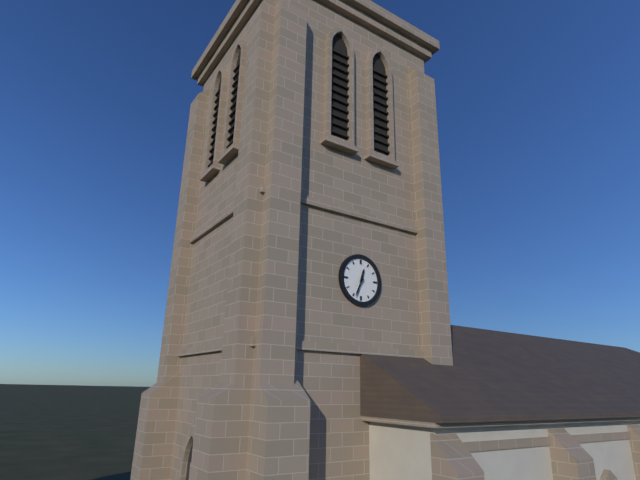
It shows 12 h 34 min
